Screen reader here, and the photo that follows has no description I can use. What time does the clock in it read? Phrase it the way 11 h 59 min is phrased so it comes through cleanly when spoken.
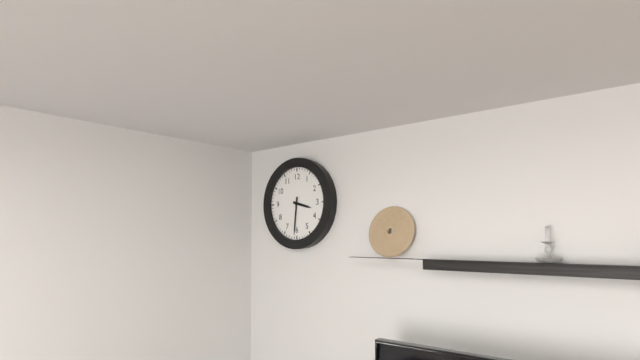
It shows 3 h 31 min
